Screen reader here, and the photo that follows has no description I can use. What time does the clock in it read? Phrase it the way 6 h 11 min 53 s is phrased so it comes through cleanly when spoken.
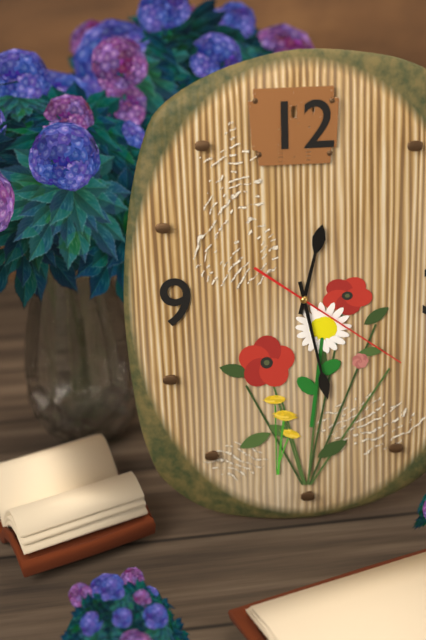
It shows 12 h 28 min 21 s
